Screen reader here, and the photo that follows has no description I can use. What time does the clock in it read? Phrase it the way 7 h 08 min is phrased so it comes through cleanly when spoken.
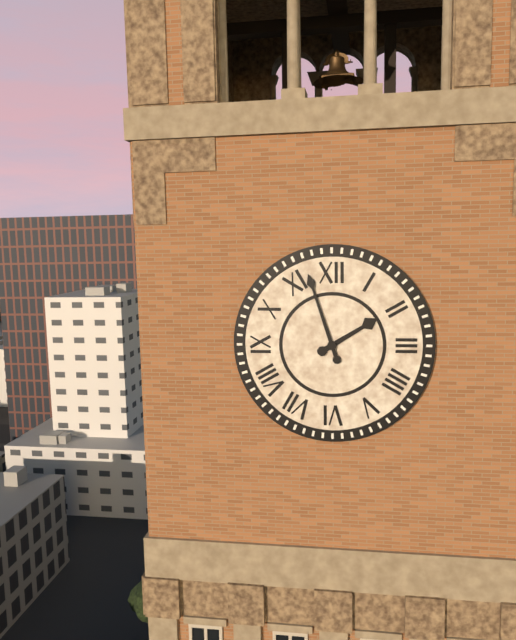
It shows 1 h 57 min
